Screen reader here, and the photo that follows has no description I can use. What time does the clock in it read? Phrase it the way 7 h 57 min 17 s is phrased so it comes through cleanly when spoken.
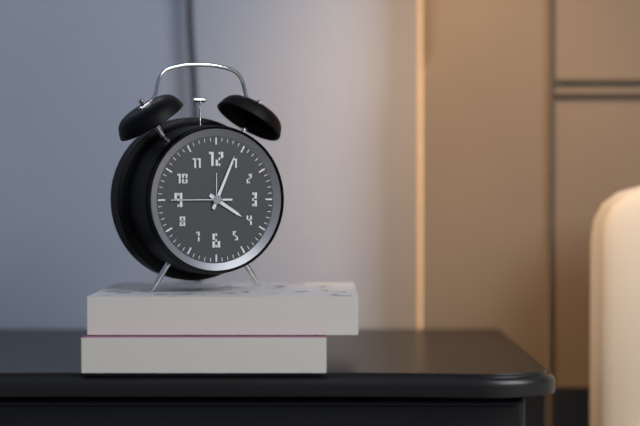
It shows 4 h 04 min 45 s
